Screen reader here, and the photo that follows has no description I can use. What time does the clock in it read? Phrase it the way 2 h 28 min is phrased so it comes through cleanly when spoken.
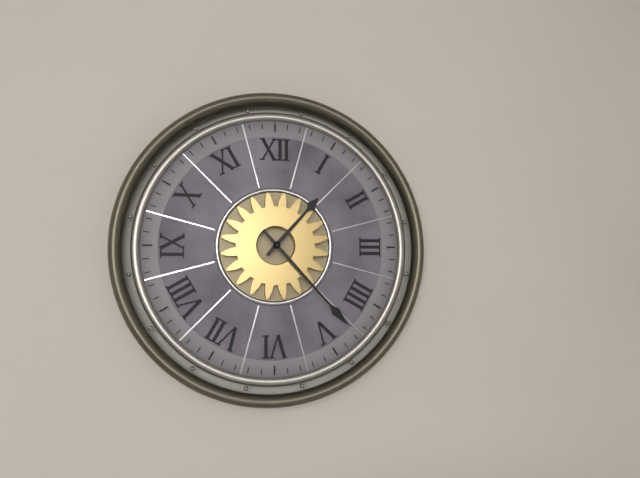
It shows 1 h 23 min
